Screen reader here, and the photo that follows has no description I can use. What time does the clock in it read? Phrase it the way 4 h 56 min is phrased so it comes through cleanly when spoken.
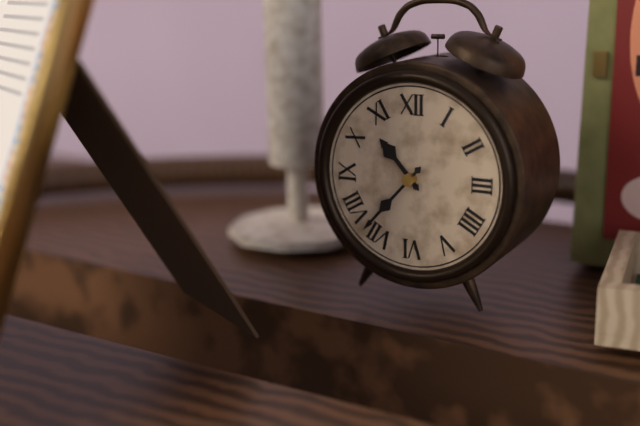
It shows 10 h 37 min
